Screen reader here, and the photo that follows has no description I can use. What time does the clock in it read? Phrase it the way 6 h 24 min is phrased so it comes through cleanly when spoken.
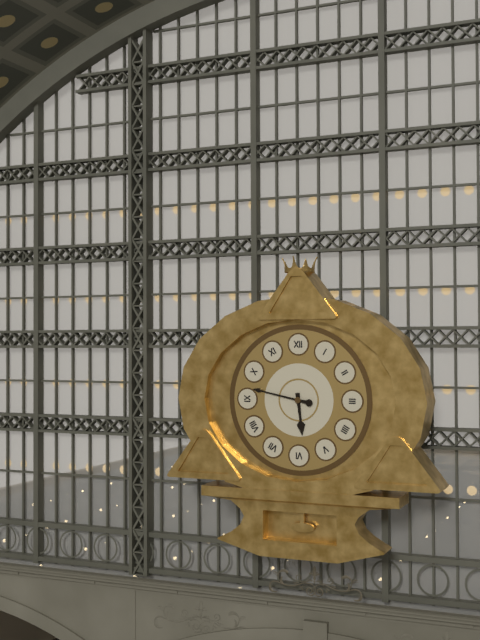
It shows 5 h 47 min
